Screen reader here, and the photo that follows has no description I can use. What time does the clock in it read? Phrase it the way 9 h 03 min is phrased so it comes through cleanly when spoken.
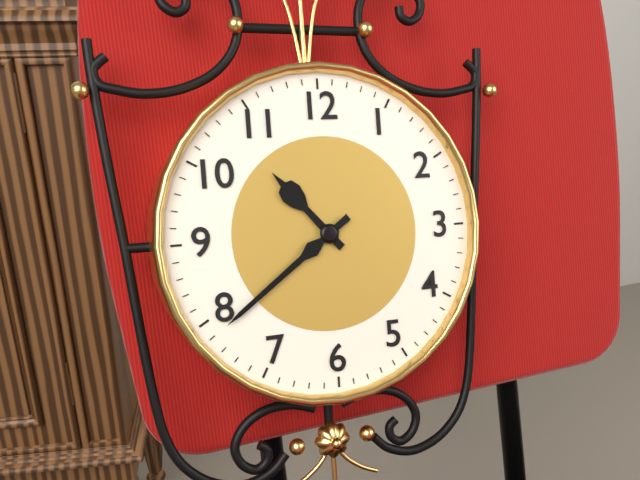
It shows 10 h 39 min
